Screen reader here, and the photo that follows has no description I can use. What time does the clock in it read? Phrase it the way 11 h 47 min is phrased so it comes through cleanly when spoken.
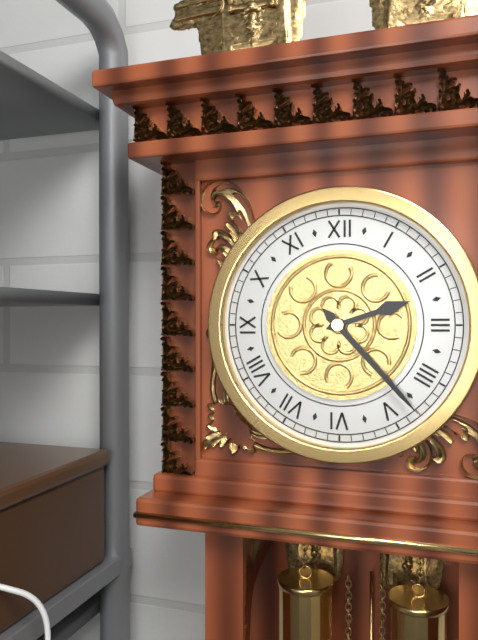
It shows 2 h 23 min
